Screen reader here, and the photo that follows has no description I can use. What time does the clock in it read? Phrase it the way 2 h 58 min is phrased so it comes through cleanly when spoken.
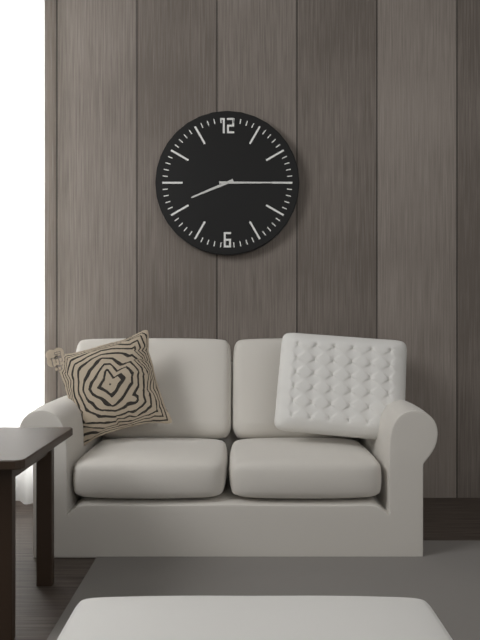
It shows 8 h 15 min
